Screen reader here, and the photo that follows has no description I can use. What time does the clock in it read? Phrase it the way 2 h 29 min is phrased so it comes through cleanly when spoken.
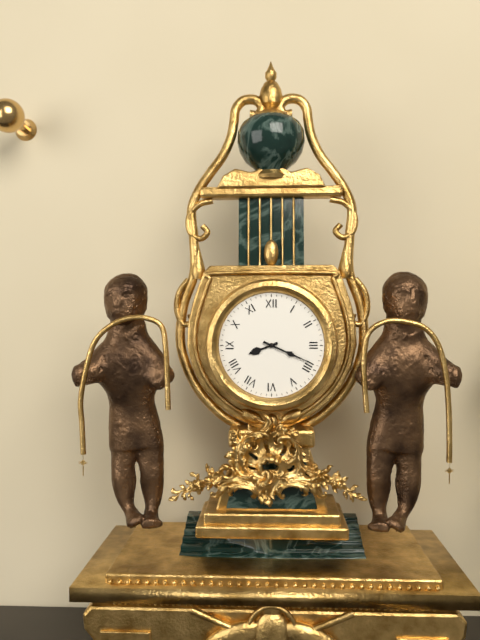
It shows 8 h 19 min
